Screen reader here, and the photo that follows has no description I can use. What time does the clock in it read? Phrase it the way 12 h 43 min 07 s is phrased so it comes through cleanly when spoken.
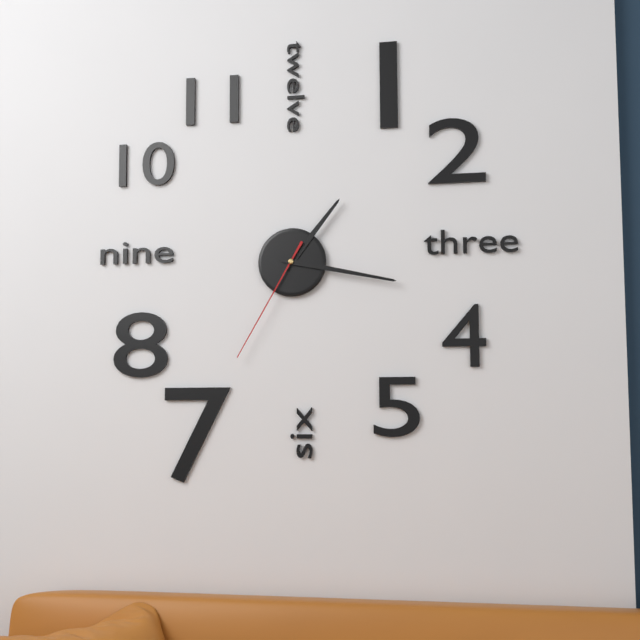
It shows 1 h 17 min 35 s
